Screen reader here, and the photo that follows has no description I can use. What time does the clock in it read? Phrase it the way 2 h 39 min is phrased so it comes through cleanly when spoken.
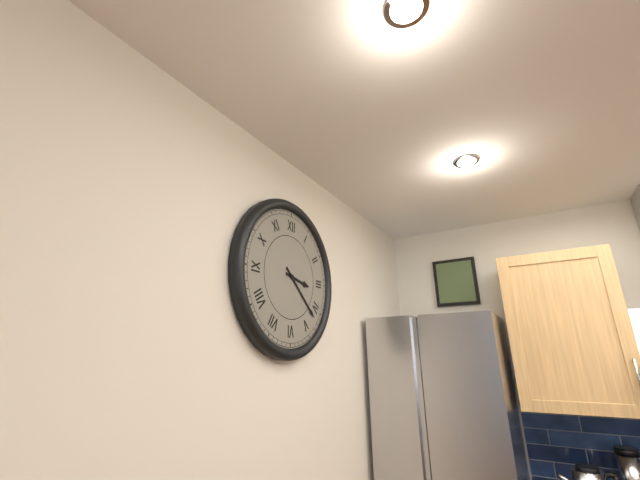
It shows 3 h 22 min
